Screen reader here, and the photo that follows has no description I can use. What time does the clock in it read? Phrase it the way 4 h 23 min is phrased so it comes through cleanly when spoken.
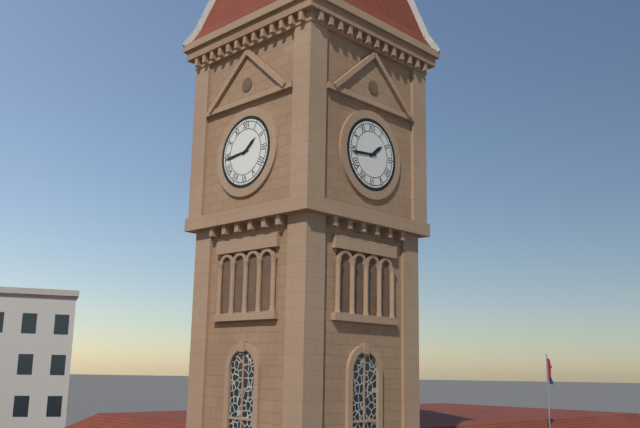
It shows 1 h 44 min
